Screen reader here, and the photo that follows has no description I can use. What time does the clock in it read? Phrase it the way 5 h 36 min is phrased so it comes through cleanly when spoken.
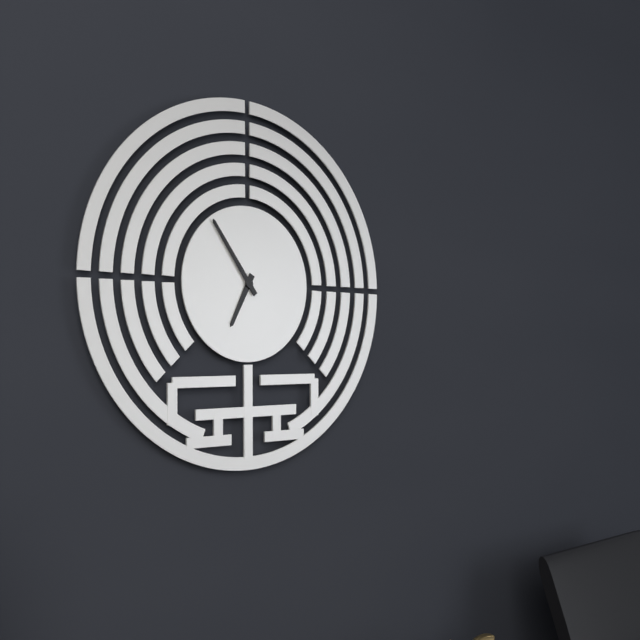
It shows 6 h 54 min
